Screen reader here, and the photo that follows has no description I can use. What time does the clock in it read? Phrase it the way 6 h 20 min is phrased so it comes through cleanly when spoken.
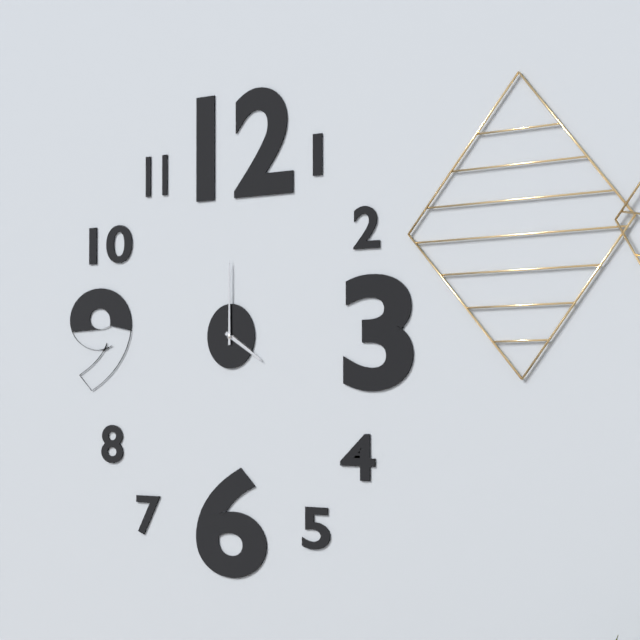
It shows 4 h 00 min
